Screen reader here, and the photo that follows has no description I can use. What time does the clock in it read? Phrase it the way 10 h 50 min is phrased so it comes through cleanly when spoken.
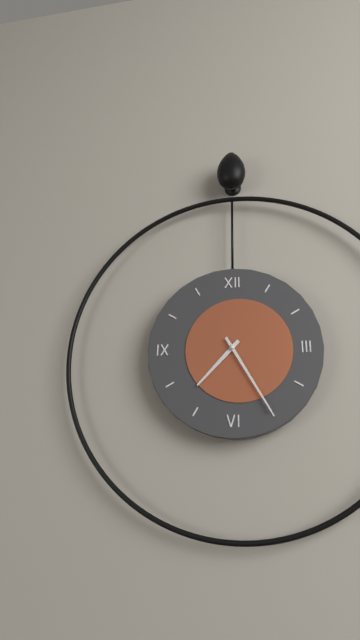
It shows 7 h 25 min
